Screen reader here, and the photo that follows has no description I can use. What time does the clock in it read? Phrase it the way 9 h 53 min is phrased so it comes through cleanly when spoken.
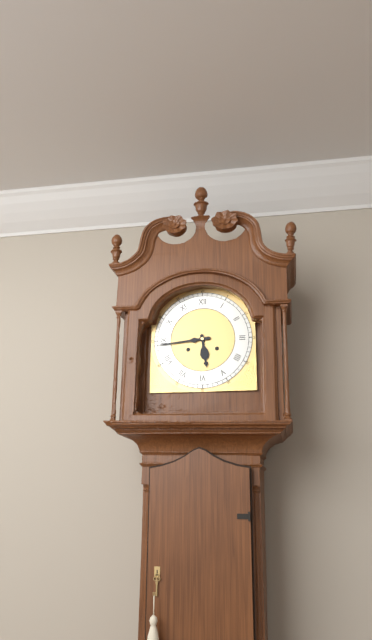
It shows 5 h 44 min
